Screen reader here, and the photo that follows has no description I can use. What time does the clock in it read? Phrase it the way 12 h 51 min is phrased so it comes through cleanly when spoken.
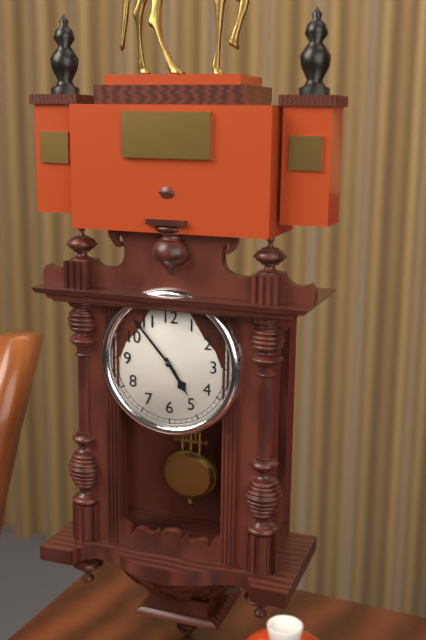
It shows 4 h 53 min
